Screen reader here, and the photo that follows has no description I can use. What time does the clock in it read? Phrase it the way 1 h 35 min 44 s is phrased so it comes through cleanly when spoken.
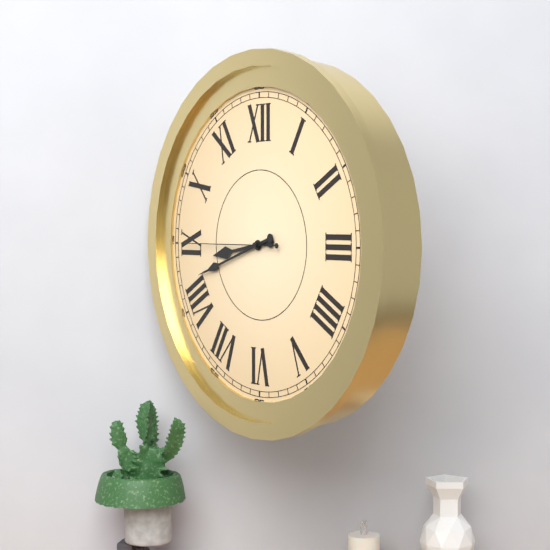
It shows 8 h 42 min 45 s
